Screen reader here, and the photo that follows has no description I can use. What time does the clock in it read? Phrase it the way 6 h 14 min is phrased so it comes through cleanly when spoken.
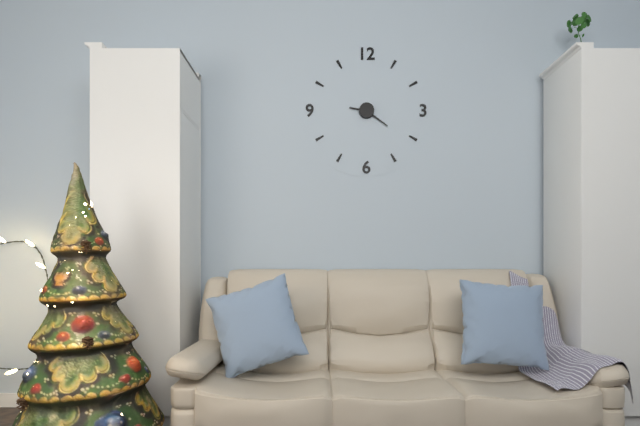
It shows 9 h 21 min
